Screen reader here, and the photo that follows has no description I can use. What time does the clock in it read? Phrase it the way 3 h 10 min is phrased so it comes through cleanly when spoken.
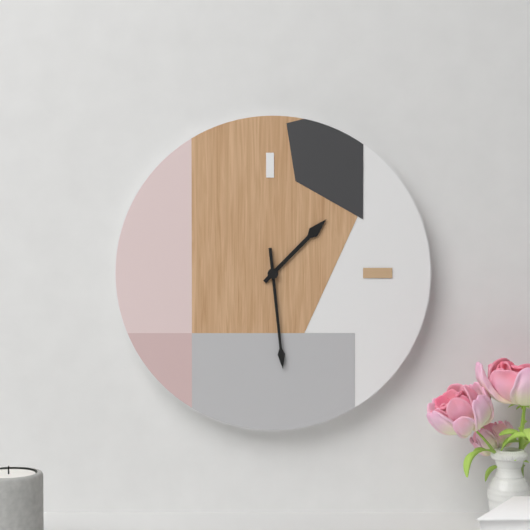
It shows 1 h 29 min
